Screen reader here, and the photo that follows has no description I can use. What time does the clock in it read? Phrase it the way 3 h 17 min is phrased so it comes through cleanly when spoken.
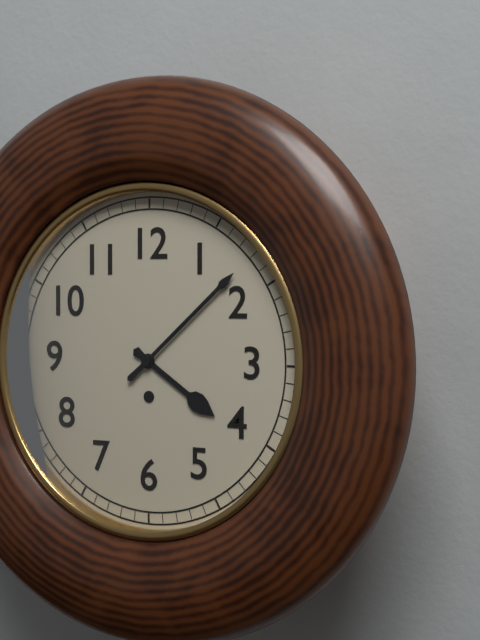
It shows 4 h 08 min
